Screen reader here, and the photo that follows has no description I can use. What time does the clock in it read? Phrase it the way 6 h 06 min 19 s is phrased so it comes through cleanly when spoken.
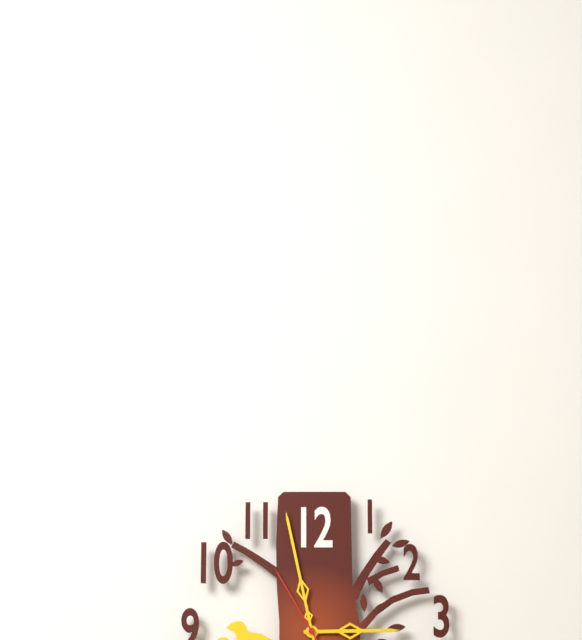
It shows 2 h 58 min 55 s
